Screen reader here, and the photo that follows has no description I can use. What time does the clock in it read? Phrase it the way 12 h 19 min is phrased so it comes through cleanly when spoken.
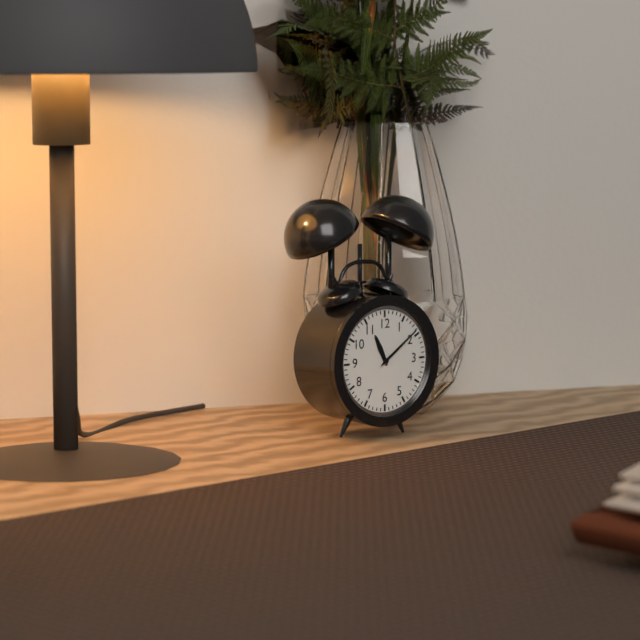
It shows 11 h 09 min
